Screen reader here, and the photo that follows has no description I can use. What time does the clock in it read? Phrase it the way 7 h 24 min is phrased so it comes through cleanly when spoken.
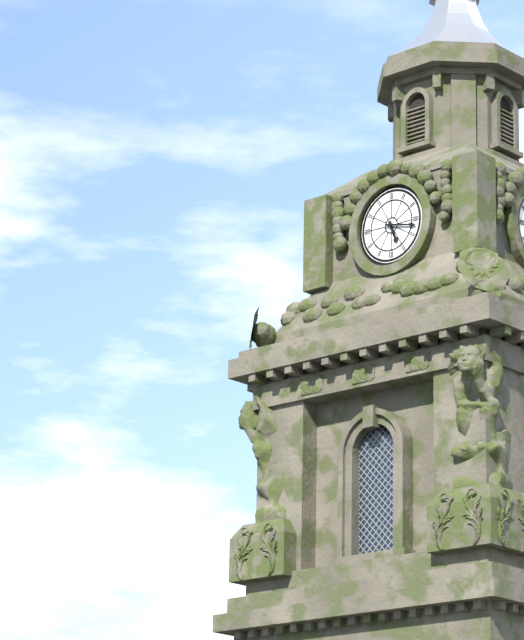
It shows 5 h 17 min
